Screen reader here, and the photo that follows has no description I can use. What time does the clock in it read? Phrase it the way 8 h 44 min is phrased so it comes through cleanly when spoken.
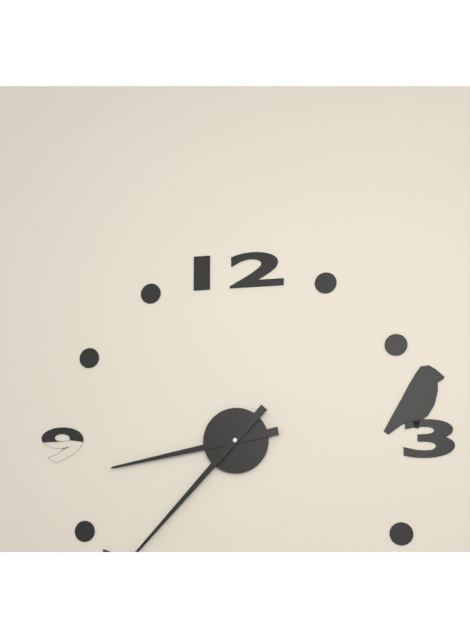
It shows 8 h 37 min
